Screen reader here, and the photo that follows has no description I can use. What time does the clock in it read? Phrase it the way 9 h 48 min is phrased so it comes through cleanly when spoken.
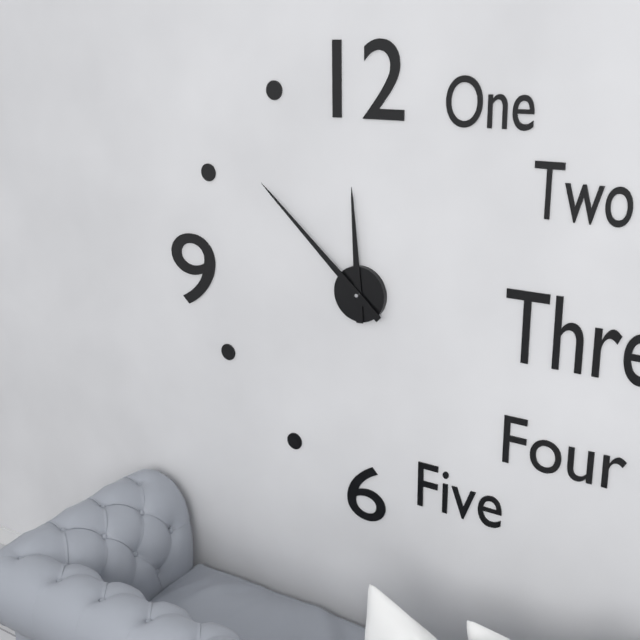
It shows 11 h 52 min
